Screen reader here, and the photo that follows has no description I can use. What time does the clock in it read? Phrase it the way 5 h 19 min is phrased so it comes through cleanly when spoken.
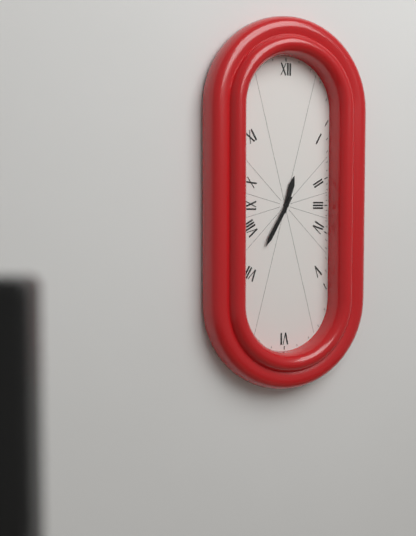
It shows 12 h 35 min
